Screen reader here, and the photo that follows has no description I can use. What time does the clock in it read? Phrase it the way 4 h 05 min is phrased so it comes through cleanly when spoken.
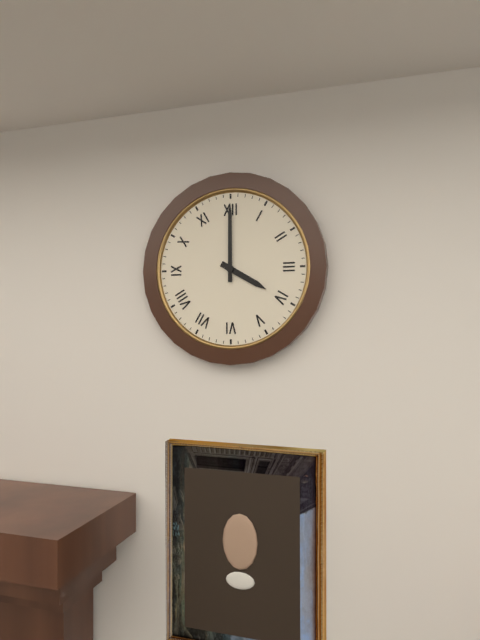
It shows 4 h 00 min
